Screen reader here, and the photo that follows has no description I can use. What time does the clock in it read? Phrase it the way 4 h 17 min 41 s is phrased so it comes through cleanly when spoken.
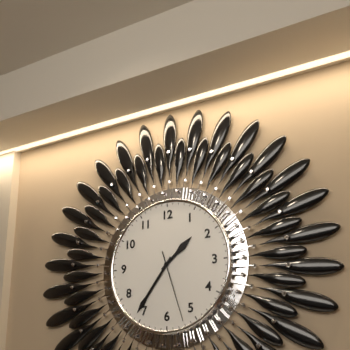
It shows 1 h 36 min 27 s
